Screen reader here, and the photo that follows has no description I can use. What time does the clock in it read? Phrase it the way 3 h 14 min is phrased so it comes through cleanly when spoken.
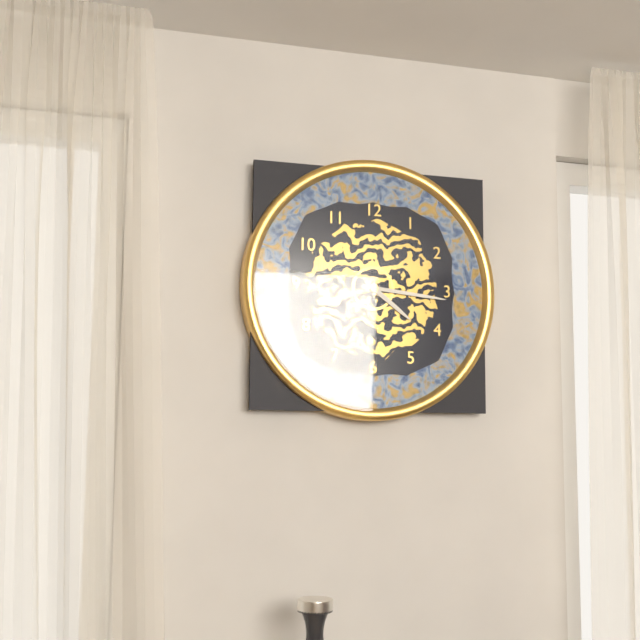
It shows 4 h 16 min
